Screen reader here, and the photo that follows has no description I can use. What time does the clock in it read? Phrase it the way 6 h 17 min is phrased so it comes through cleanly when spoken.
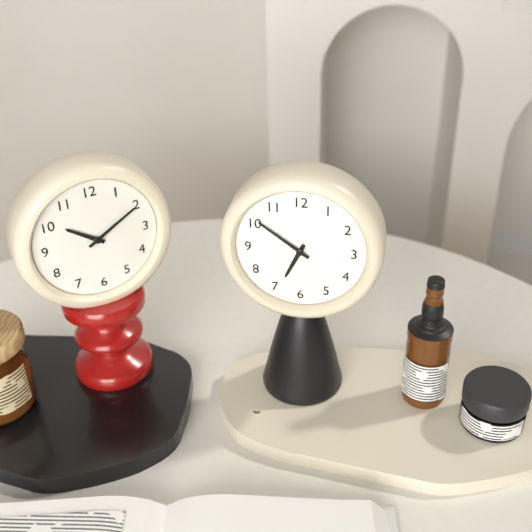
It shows 6 h 51 min
